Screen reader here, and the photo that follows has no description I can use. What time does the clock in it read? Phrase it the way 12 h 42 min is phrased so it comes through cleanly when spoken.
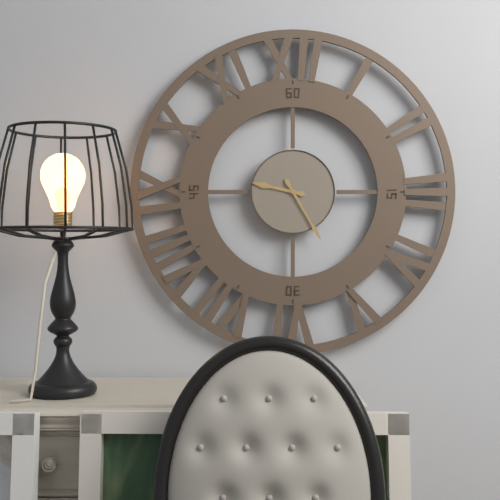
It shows 9 h 25 min
